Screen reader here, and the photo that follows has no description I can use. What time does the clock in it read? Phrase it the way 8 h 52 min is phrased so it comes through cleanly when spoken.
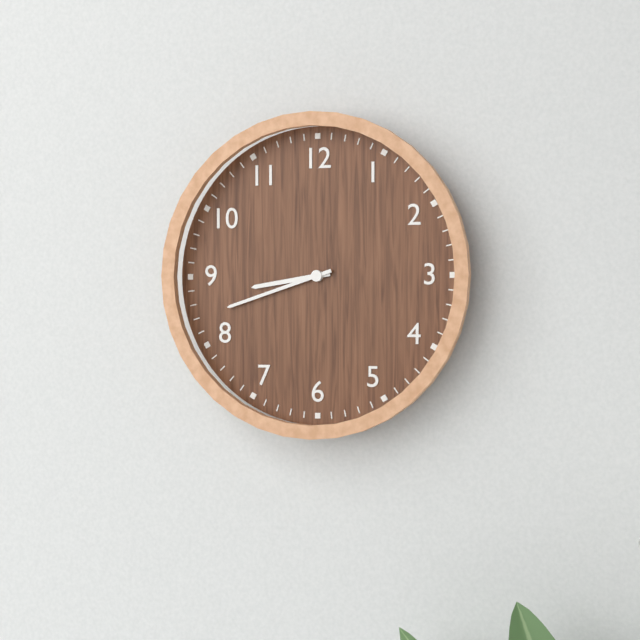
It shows 8 h 42 min
